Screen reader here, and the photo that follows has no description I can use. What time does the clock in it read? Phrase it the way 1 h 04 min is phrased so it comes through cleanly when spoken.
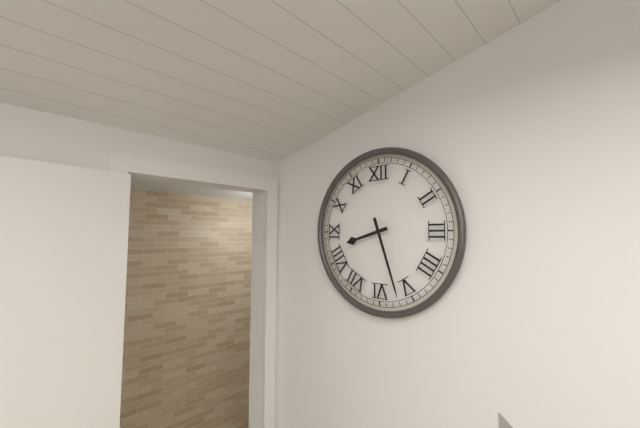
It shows 8 h 27 min
